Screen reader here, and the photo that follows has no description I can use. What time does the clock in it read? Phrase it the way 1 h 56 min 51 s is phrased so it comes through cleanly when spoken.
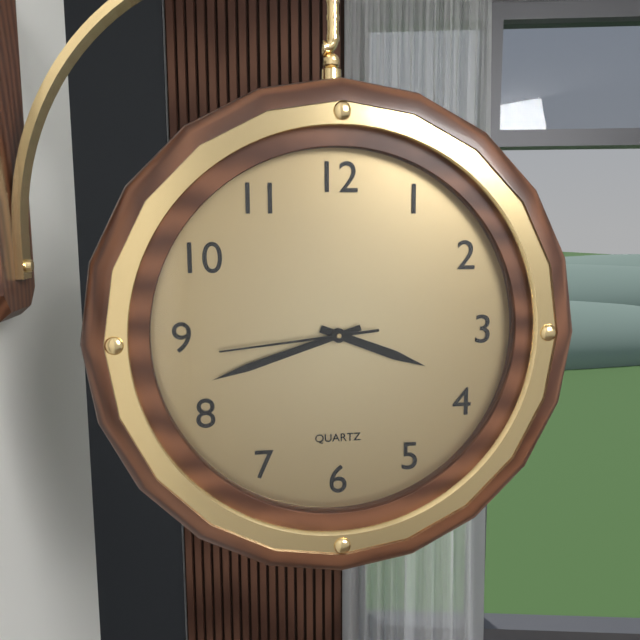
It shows 3 h 42 min 44 s
